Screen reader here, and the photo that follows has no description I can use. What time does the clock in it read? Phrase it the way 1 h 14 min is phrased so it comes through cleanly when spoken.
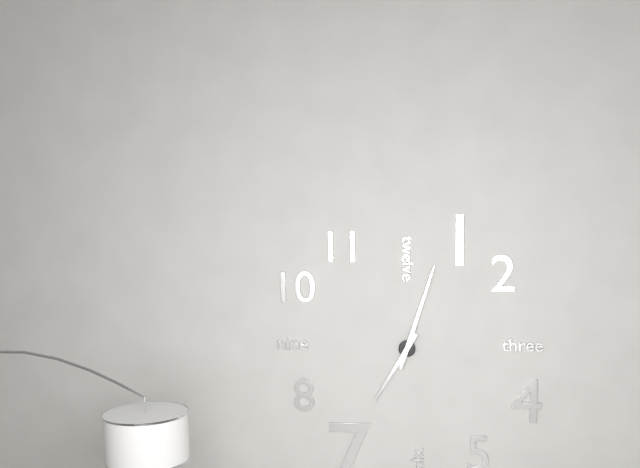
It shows 7 h 03 min
